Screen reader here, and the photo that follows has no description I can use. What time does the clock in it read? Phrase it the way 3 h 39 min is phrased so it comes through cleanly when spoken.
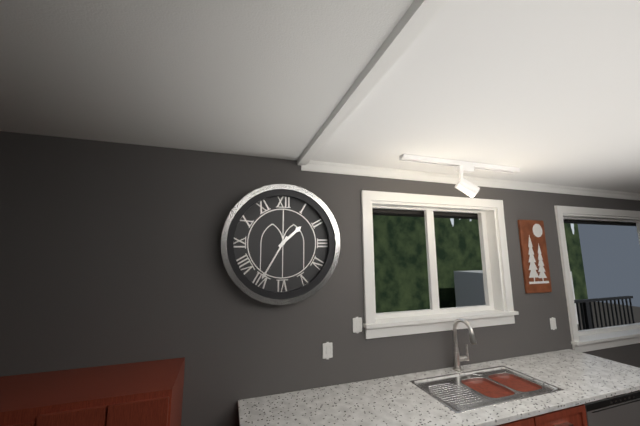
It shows 1 h 35 min
